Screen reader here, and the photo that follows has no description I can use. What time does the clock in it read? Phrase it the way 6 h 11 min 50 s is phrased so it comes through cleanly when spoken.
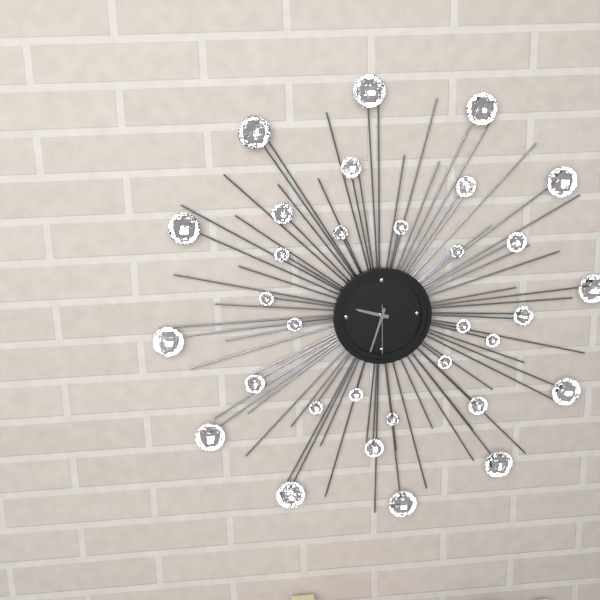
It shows 9 h 33 min 30 s
